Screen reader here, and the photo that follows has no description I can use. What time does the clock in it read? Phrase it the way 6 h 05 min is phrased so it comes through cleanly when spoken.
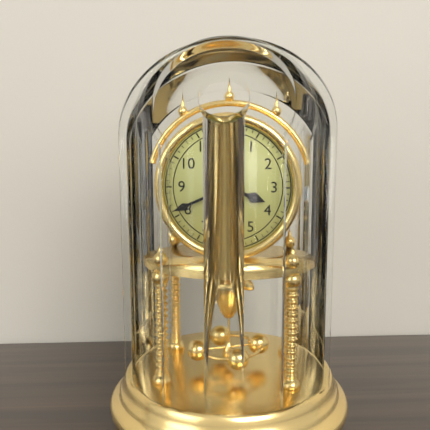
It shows 3 h 41 min
